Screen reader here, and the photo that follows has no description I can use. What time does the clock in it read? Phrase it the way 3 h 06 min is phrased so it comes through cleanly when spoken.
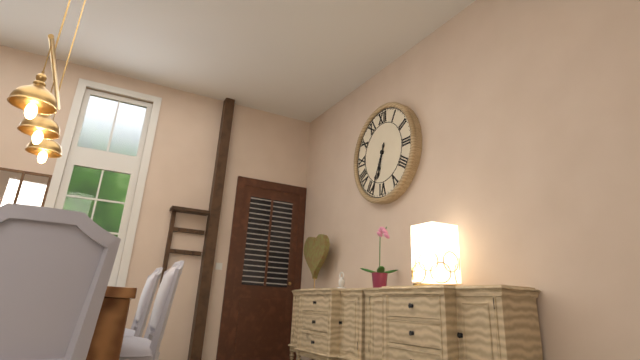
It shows 6 h 34 min
